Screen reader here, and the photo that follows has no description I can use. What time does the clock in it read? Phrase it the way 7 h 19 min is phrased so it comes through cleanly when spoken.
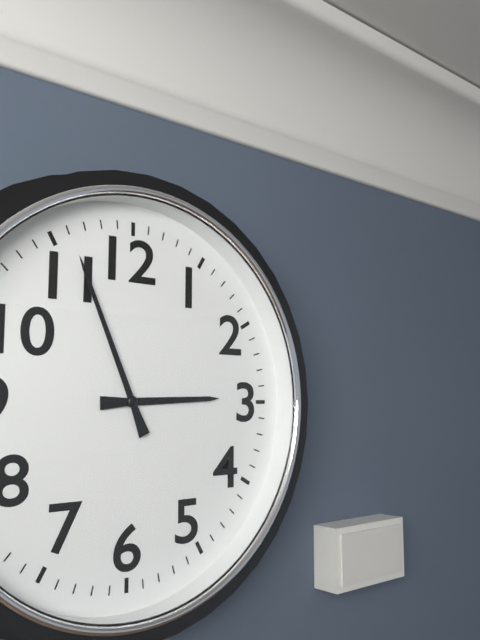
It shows 2 h 56 min
